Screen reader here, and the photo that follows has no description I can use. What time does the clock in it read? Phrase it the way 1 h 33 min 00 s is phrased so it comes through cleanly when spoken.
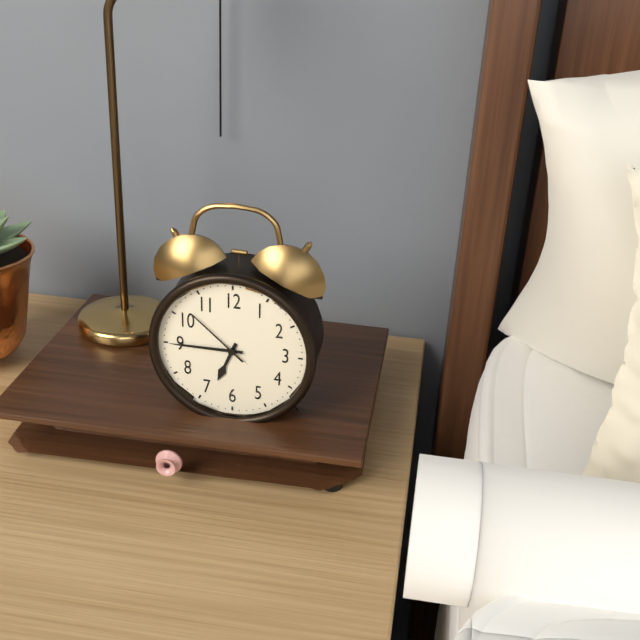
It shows 6 h 45 min 52 s
